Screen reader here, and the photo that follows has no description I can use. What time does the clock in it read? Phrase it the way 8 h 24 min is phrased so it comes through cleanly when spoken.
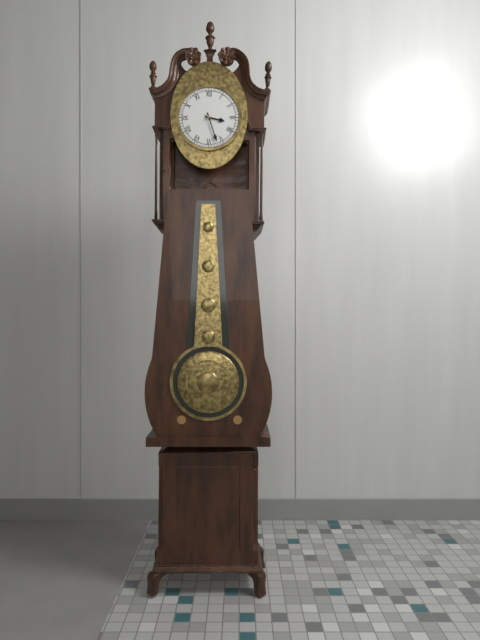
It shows 3 h 27 min
